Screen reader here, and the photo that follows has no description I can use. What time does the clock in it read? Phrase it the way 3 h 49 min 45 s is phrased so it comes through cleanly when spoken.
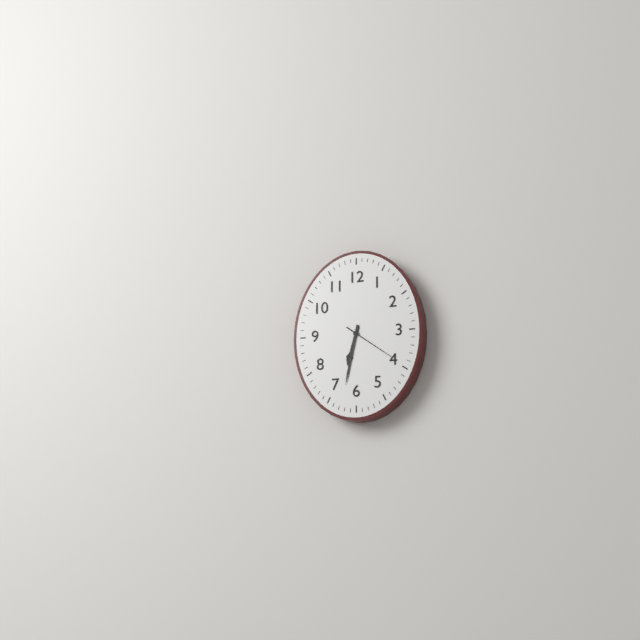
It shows 6 h 32 min 21 s
